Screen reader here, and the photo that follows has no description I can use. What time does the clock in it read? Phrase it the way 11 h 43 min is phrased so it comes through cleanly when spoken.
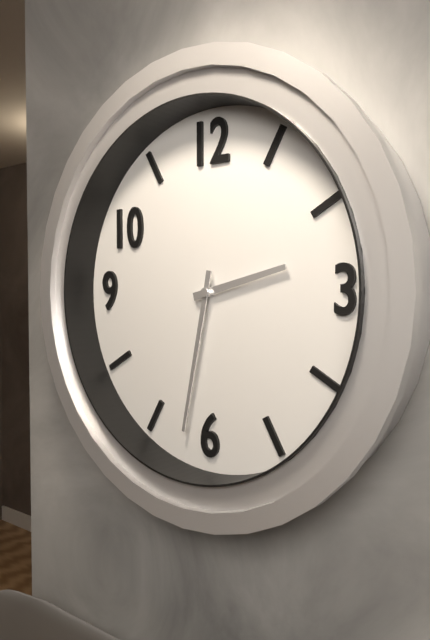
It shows 2 h 32 min
